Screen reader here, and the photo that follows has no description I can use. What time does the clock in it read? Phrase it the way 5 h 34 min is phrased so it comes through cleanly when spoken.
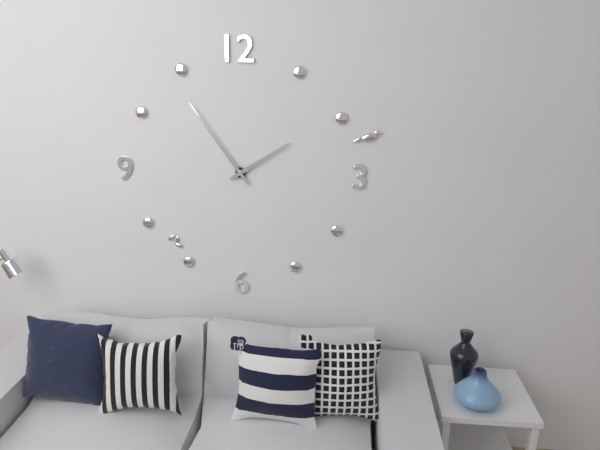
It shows 1 h 54 min
